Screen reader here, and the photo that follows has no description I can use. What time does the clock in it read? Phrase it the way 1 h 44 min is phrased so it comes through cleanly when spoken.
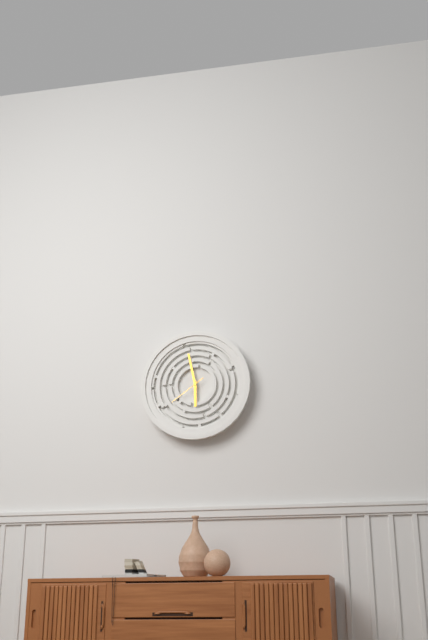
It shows 5 h 58 min
